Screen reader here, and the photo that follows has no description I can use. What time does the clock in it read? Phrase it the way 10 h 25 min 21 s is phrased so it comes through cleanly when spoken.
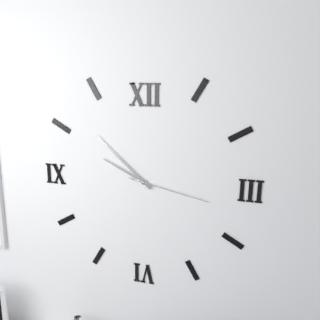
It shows 9 h 52 min 17 s
